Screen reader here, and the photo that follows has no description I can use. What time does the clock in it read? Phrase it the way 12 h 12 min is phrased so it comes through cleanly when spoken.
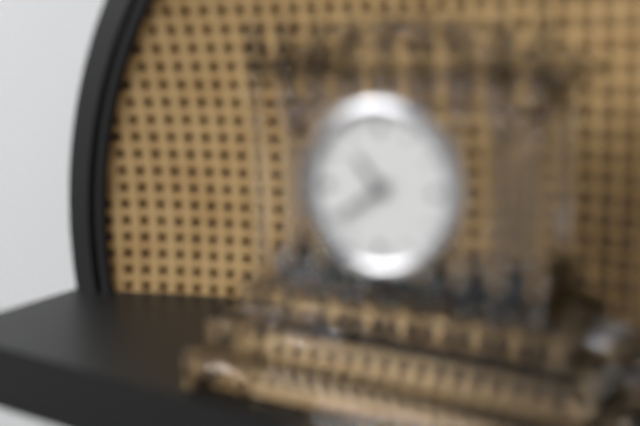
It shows 10 h 39 min
